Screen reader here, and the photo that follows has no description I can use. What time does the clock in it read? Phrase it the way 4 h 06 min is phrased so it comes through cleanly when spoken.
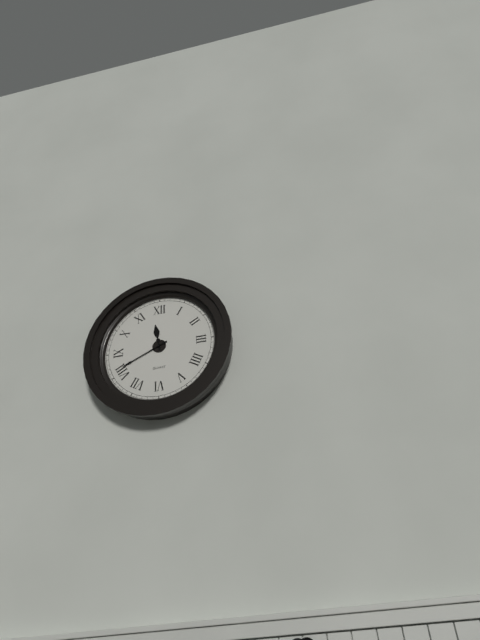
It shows 11 h 41 min
